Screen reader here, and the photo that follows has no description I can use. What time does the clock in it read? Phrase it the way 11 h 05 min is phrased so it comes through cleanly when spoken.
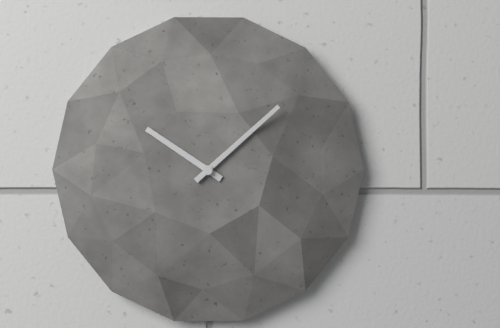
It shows 10 h 08 min
